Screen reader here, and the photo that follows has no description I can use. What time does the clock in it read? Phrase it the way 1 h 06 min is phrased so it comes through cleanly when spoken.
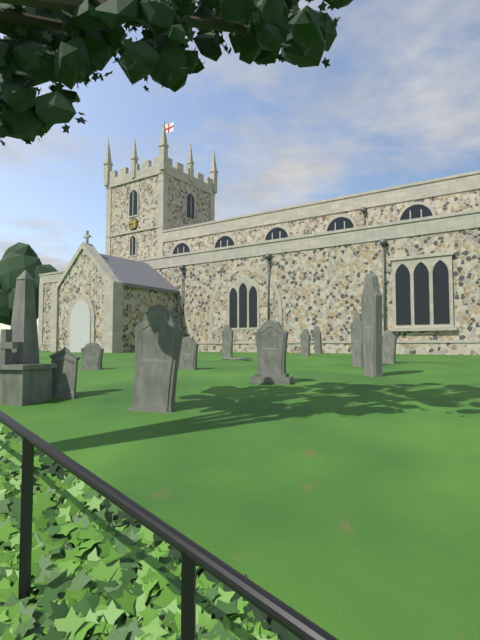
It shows 8 h 43 min
